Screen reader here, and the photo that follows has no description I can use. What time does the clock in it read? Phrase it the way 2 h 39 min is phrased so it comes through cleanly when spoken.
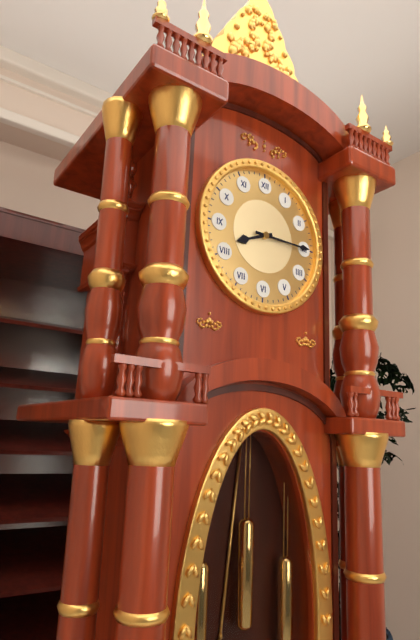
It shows 8 h 15 min
